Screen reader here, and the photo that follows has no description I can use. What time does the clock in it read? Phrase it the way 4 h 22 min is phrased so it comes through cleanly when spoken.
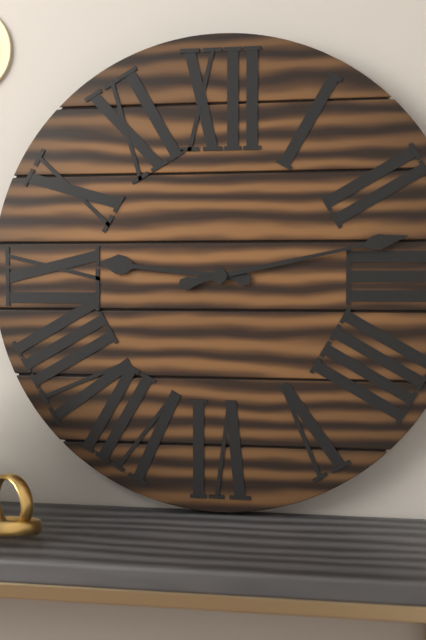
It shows 9 h 13 min
